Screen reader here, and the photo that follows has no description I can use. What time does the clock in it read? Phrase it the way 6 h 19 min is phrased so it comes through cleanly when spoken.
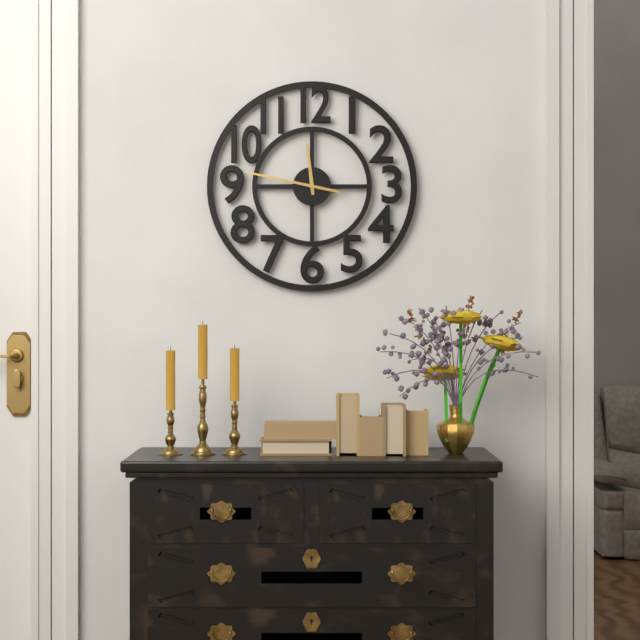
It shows 11 h 47 min
